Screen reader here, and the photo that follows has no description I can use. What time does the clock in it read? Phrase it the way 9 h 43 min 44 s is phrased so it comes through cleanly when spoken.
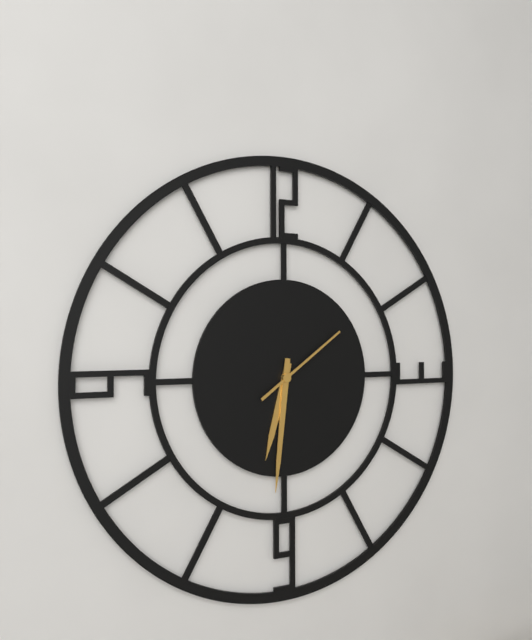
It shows 6 h 31 min 09 s
